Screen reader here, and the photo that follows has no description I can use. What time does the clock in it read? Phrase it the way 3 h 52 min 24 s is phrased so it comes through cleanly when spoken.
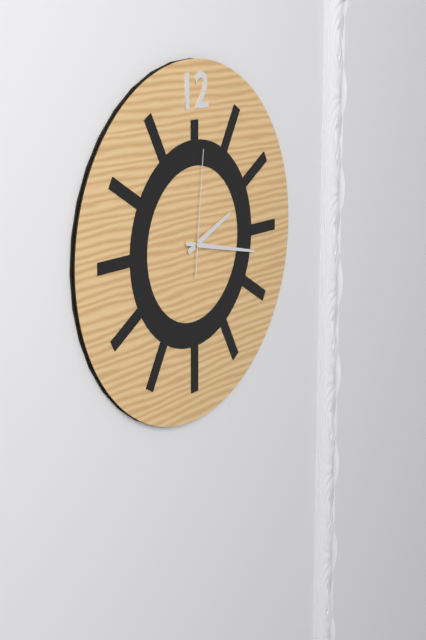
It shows 2 h 17 min 01 s
